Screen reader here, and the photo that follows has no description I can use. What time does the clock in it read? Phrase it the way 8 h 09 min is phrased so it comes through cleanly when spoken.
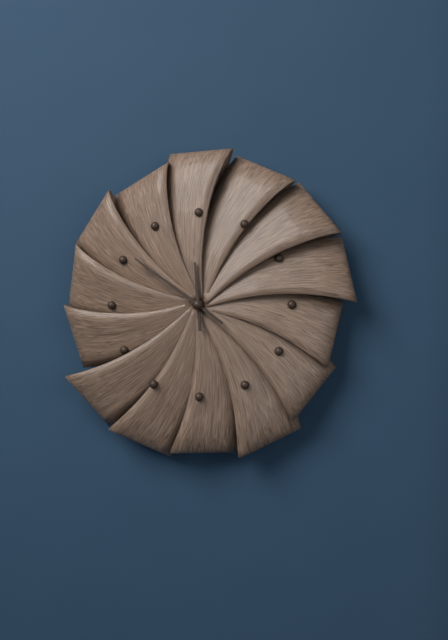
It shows 11 h 51 min
